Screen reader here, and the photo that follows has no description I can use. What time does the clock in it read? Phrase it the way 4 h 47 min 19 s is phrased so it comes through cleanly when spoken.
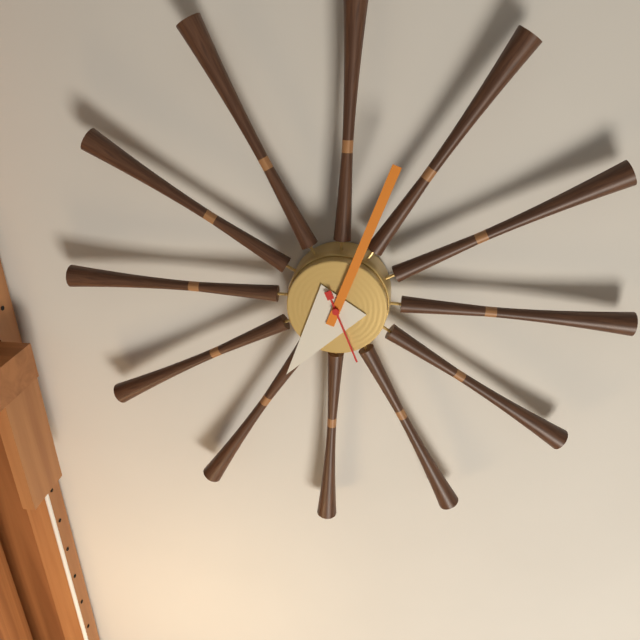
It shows 7 h 03 min 26 s
